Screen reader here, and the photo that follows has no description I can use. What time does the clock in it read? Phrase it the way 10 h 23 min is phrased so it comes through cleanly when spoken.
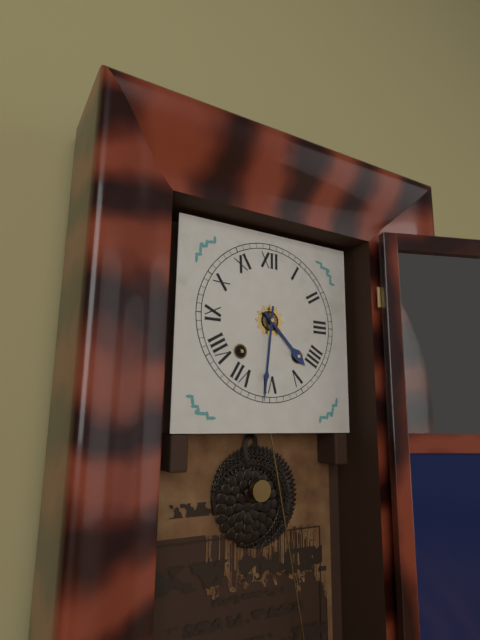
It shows 4 h 31 min
